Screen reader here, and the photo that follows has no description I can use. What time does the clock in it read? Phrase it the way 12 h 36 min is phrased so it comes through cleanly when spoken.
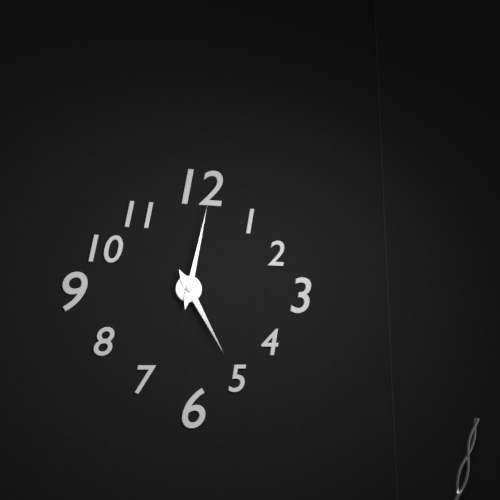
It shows 5 h 02 min
